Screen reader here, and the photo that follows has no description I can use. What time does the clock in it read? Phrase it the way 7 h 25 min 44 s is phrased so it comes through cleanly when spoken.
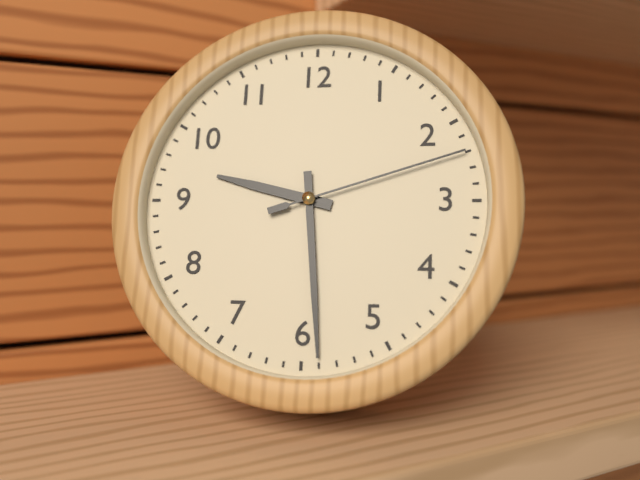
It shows 9 h 29 min 12 s
